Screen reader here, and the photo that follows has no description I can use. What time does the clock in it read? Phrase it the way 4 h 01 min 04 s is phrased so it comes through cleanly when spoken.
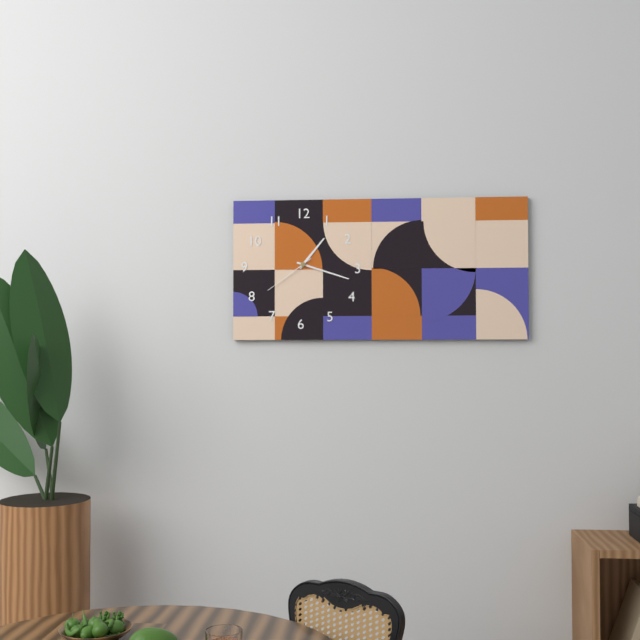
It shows 1 h 18 min 39 s
